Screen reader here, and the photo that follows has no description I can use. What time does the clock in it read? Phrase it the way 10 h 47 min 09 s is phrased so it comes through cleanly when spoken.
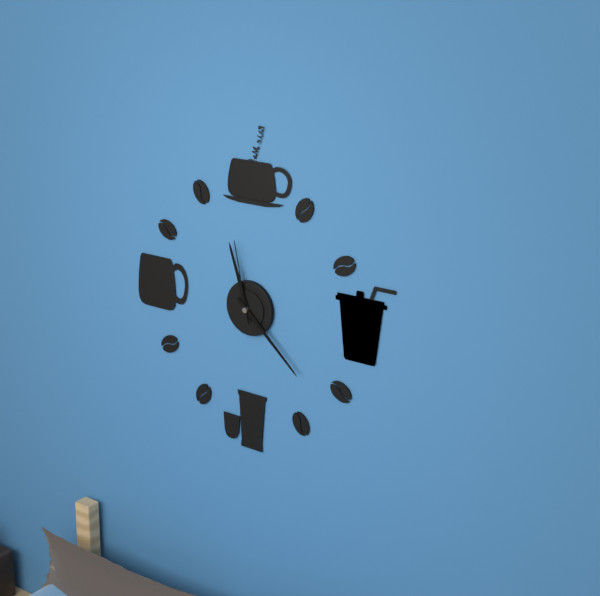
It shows 11 h 22 min 58 s
